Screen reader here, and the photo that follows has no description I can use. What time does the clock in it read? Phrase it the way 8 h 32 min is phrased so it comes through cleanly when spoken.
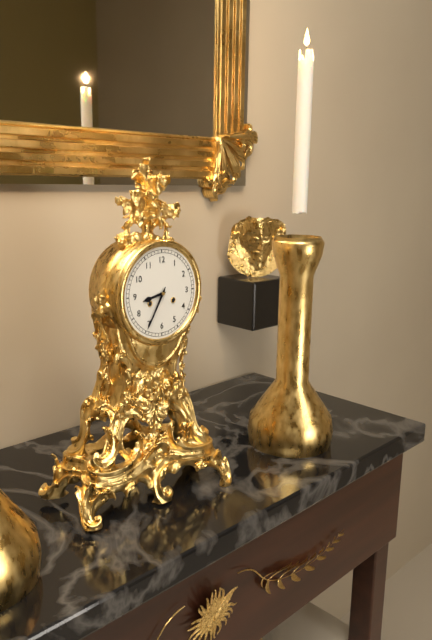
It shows 8 h 35 min
